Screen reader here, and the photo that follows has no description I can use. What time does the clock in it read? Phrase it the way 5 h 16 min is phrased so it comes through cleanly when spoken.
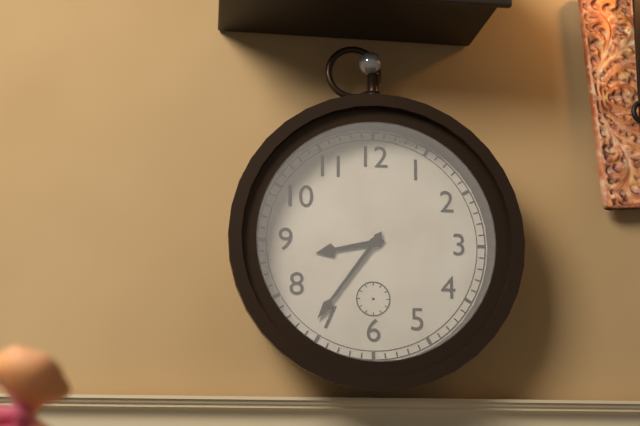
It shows 8 h 36 min
